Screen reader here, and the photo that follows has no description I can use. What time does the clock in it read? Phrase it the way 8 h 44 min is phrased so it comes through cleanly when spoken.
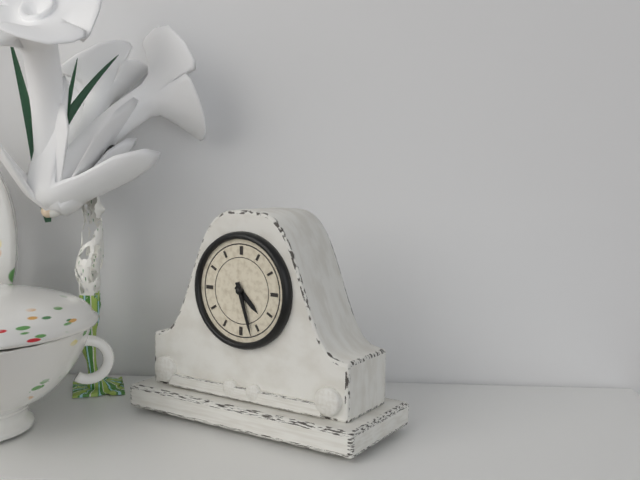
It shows 4 h 27 min
